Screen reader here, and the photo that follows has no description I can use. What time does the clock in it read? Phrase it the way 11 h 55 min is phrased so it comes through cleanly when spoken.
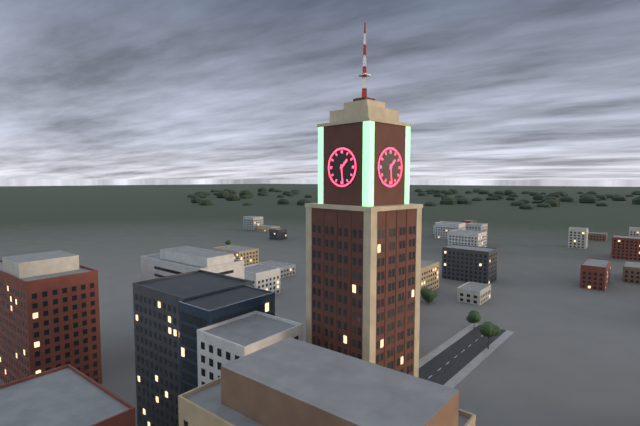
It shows 1 h 29 min
